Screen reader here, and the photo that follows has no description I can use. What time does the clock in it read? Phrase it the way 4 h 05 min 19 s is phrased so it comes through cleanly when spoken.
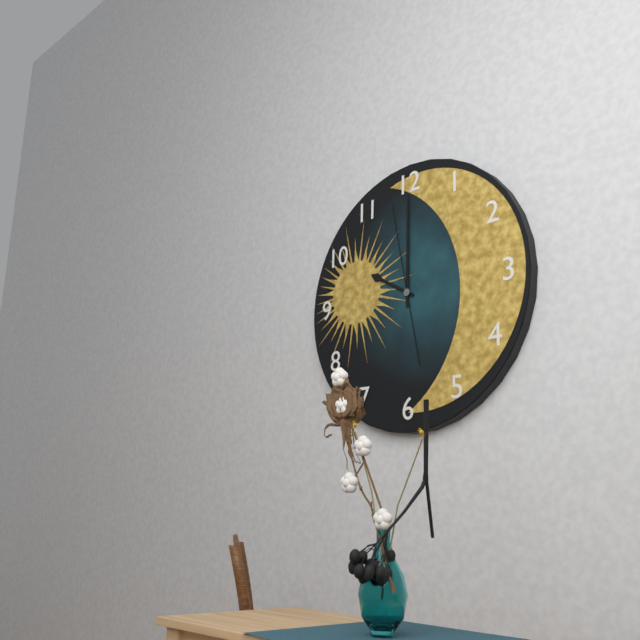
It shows 10 h 00 min 58 s
